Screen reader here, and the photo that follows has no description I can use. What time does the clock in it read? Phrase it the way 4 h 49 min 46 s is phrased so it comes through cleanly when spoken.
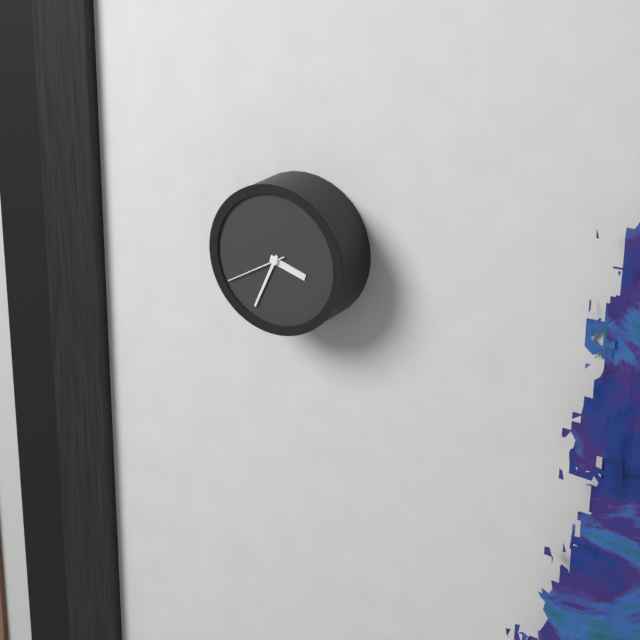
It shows 3 h 34 min 40 s
